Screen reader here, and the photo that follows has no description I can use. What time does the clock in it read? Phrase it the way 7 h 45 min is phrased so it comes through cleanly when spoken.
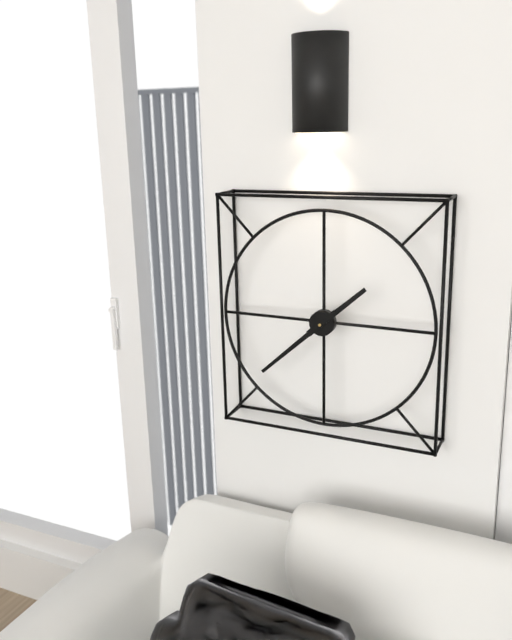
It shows 1 h 38 min
